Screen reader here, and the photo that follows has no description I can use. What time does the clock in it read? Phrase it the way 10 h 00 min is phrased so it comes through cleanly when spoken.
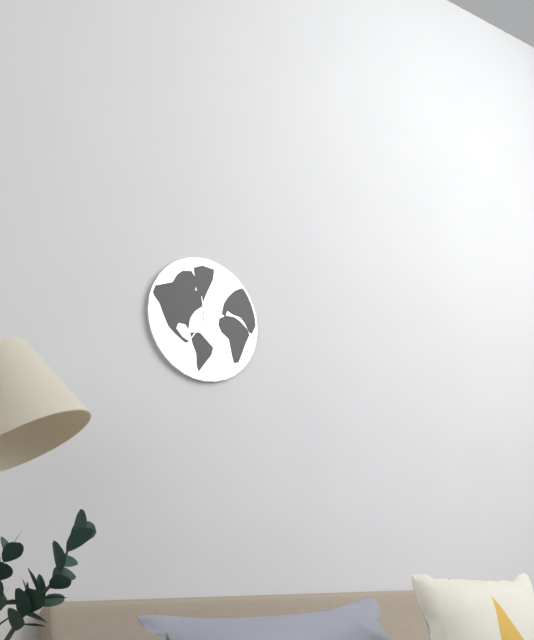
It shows 11 h 36 min
